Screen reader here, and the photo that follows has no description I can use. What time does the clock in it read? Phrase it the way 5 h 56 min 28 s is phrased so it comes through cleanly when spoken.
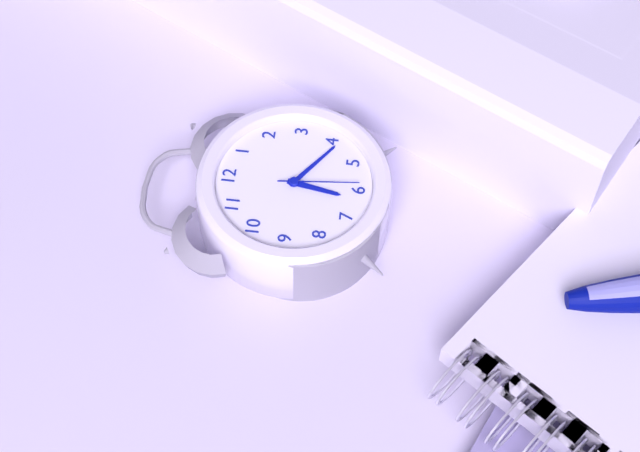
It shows 6 h 21 min 29 s
